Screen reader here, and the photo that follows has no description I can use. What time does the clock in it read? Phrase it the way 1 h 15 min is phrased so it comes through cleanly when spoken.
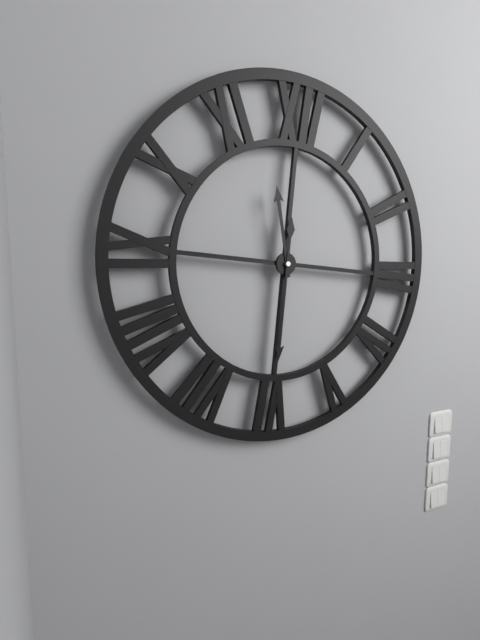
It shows 11 h 30 min
